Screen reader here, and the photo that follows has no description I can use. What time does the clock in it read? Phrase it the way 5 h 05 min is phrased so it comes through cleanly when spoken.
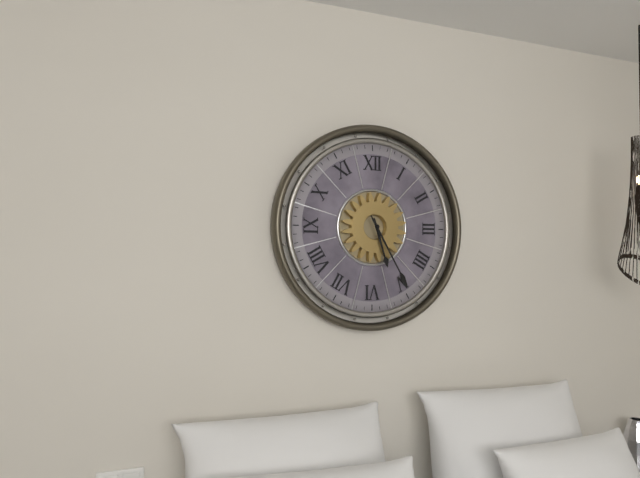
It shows 5 h 25 min
